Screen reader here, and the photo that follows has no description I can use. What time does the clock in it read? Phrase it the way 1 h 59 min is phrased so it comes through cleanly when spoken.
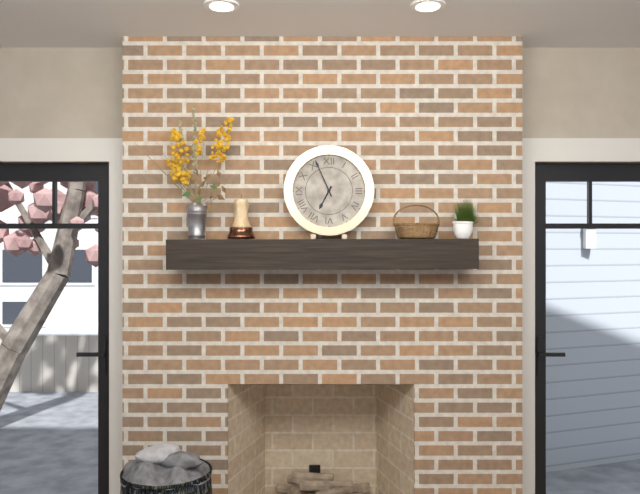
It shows 6 h 56 min
